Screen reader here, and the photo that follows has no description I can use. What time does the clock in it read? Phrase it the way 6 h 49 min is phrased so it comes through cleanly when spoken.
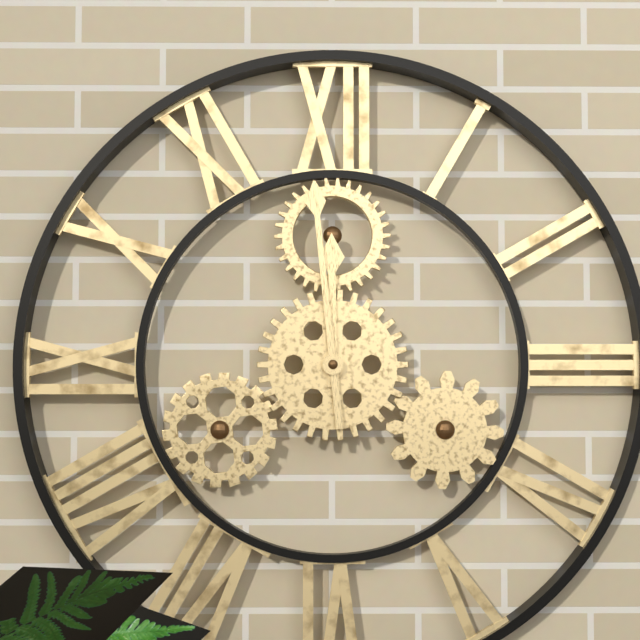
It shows 11 h 59 min
